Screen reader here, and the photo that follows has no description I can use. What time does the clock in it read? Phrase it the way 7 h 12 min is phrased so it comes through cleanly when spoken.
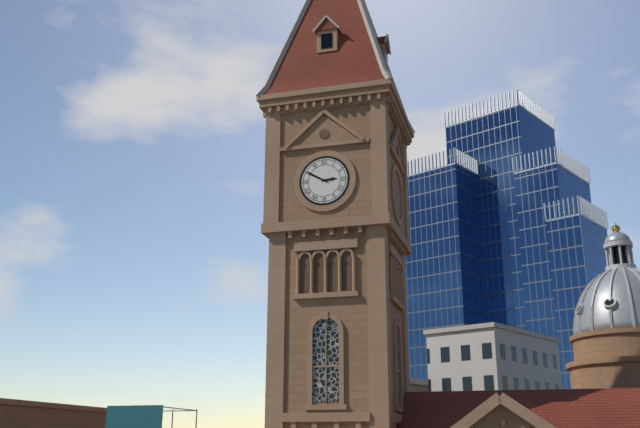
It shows 2 h 50 min
